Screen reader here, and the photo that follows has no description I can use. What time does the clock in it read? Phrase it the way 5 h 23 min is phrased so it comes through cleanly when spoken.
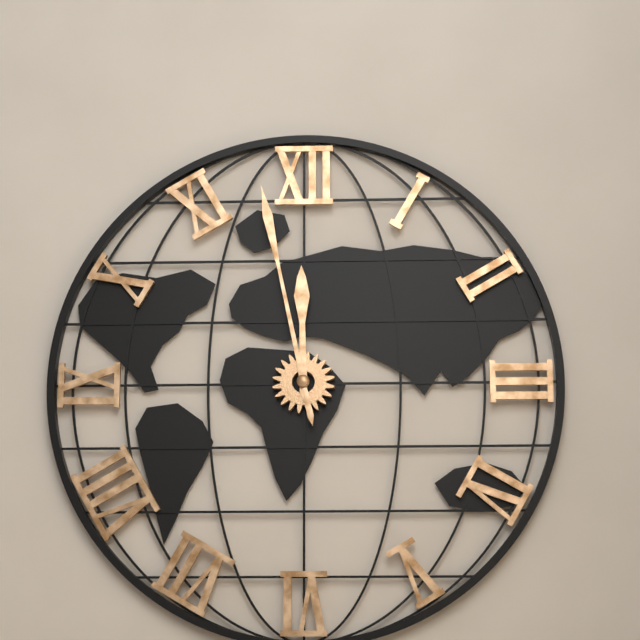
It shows 11 h 58 min
